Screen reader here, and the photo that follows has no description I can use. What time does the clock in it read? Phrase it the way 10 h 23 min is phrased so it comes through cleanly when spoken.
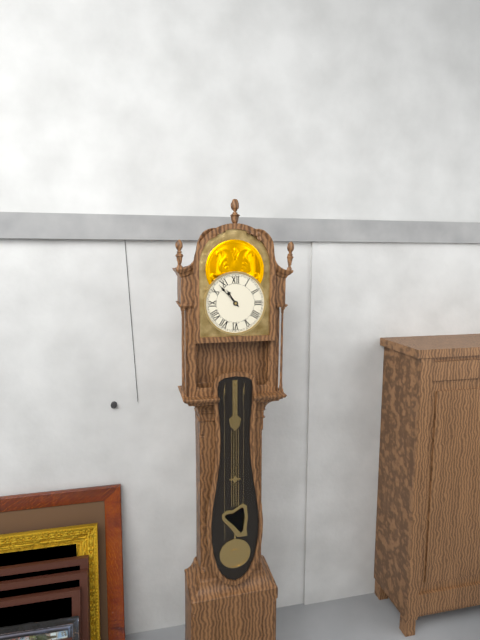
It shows 10 h 53 min
